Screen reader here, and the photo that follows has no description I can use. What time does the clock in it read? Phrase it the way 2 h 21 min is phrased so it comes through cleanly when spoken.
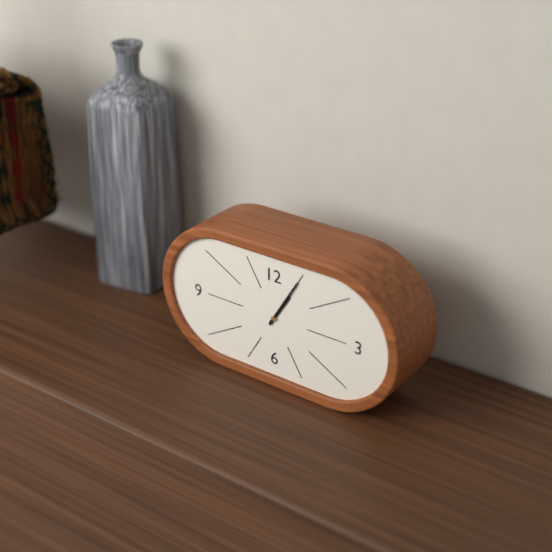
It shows 1 h 05 min
